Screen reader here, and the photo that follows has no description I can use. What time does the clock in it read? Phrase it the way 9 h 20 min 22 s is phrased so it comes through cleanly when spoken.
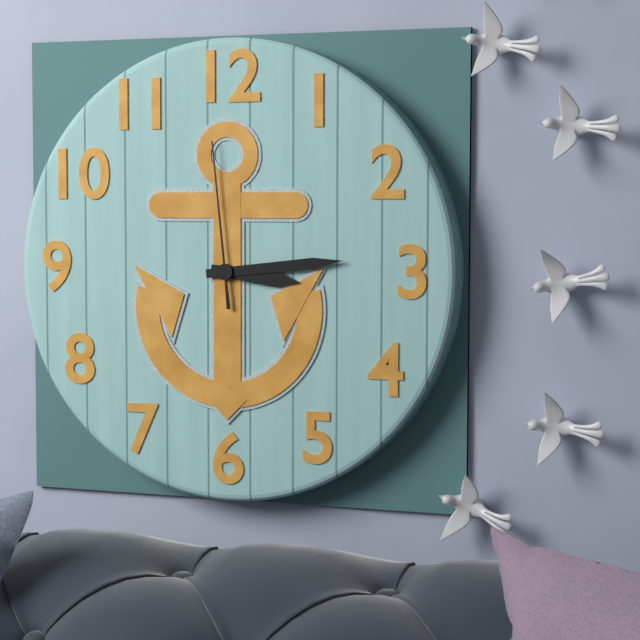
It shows 3 h 14 min 59 s
